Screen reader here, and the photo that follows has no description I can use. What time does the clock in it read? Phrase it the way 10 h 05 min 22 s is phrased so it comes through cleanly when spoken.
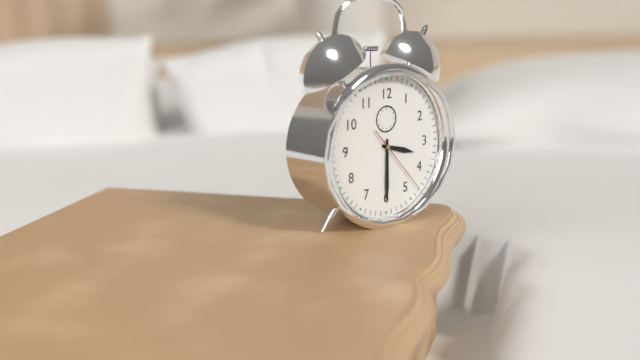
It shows 3 h 30 min 23 s
